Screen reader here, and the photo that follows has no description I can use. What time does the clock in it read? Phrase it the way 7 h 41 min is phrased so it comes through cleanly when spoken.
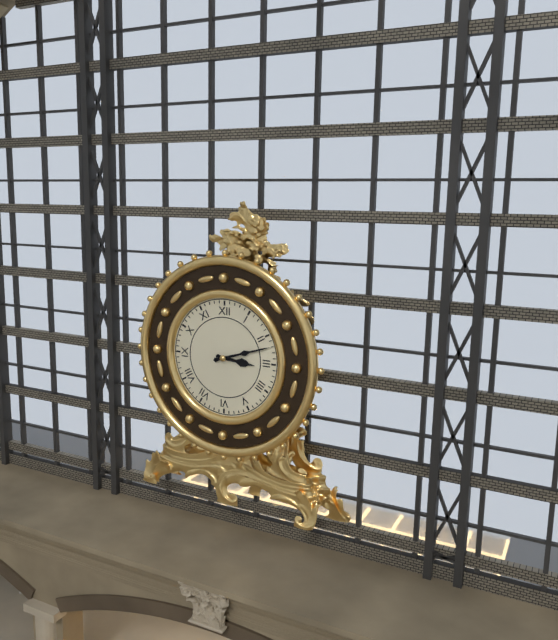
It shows 3 h 12 min
